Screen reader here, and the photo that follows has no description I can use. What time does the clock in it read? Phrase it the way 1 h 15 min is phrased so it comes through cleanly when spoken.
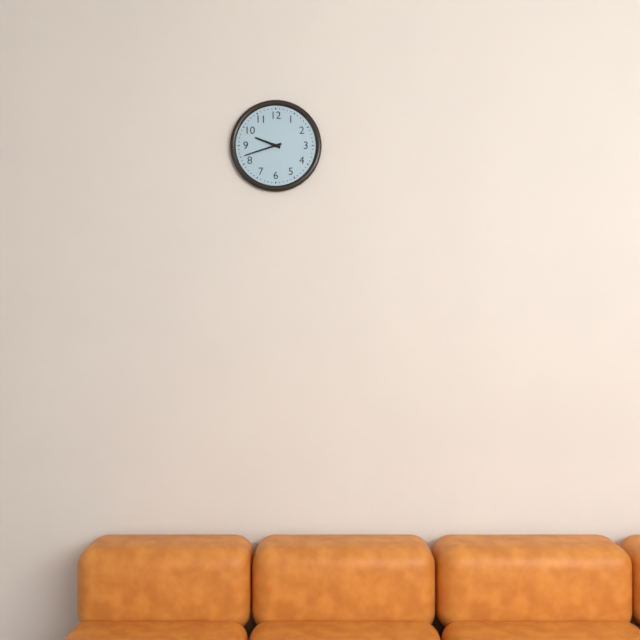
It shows 9 h 42 min
